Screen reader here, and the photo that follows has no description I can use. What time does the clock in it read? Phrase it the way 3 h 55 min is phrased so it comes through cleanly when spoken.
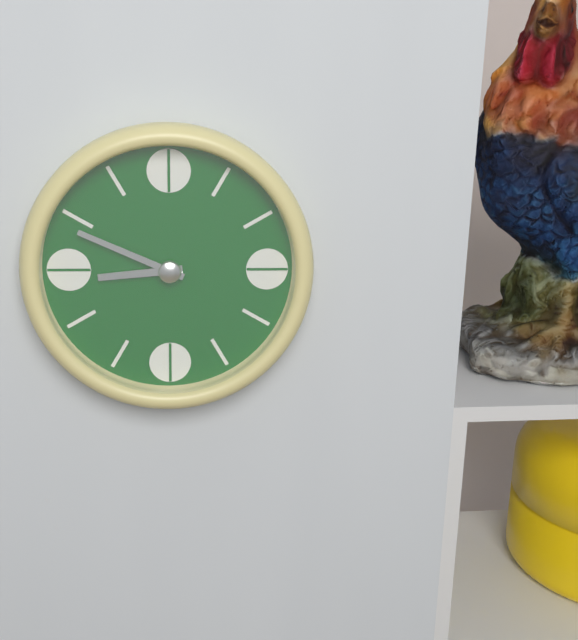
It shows 8 h 49 min
